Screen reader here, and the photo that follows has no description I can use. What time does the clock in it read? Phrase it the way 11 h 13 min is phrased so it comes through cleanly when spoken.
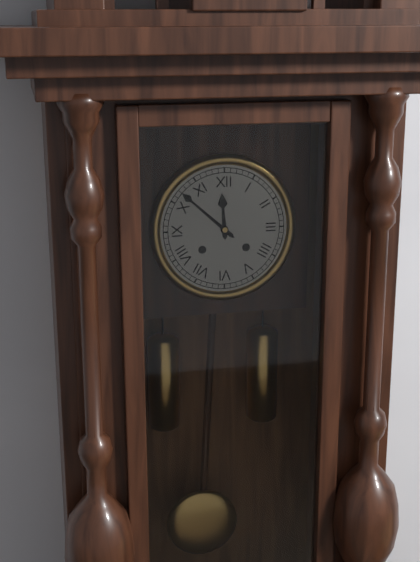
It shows 11 h 52 min
